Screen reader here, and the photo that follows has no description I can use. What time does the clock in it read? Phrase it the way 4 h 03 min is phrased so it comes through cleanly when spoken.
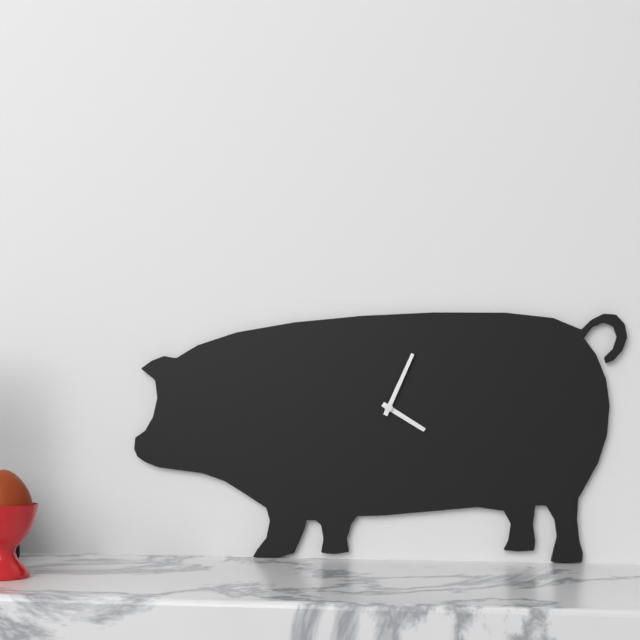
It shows 4 h 04 min
